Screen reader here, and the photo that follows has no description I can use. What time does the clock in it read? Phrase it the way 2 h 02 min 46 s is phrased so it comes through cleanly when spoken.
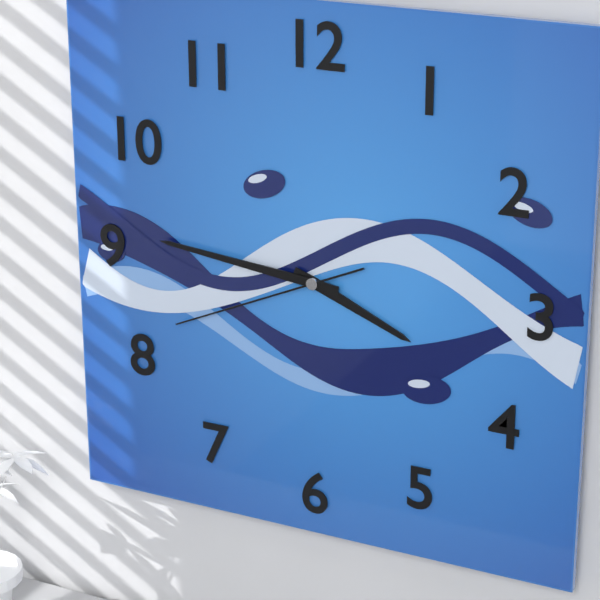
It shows 3 h 46 min 41 s
